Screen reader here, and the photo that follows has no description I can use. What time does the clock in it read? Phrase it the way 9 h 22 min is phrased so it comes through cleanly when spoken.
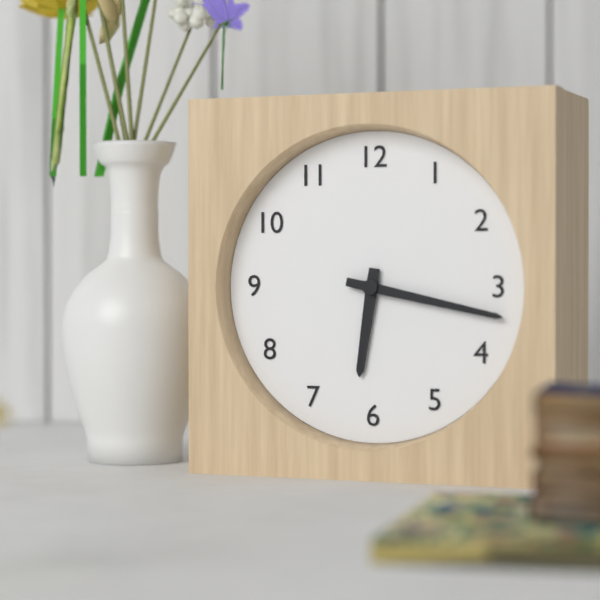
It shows 6 h 17 min
